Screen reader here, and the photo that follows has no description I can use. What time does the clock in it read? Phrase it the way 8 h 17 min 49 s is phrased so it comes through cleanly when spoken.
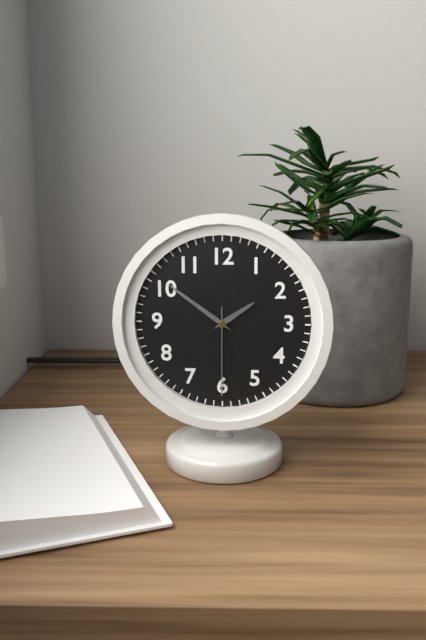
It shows 1 h 51 min 30 s
